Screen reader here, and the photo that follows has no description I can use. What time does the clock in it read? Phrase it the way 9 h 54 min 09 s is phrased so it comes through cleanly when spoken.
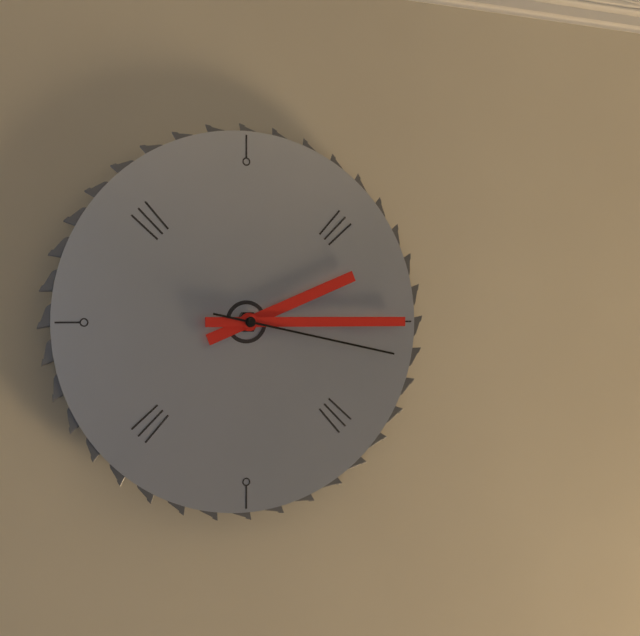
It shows 2 h 15 min 17 s
